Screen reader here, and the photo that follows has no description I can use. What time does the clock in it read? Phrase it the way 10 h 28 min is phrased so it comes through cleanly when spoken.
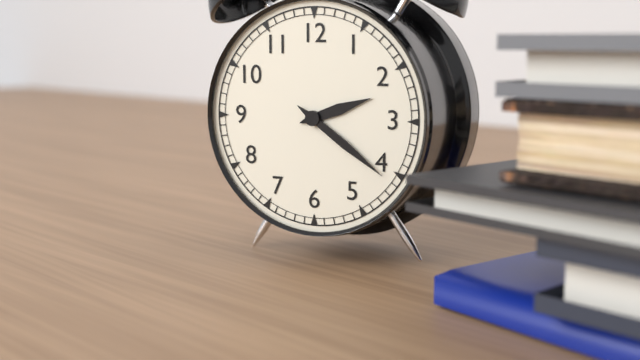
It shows 2 h 21 min
